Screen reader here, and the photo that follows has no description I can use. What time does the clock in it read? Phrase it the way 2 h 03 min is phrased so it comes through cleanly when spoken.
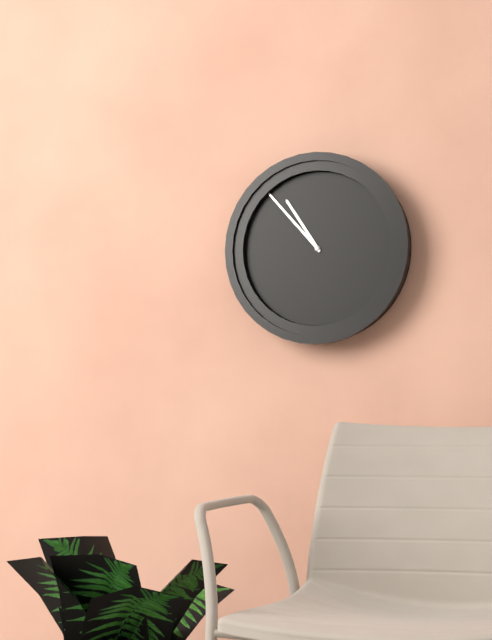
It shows 10 h 53 min
